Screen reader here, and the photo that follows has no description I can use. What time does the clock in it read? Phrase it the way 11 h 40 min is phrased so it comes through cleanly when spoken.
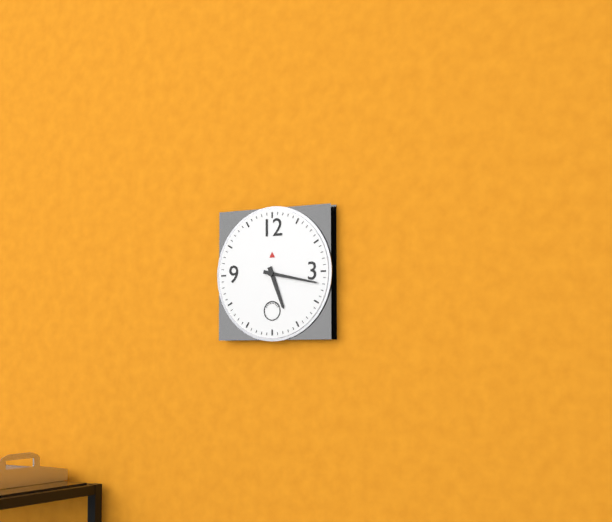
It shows 5 h 17 min
